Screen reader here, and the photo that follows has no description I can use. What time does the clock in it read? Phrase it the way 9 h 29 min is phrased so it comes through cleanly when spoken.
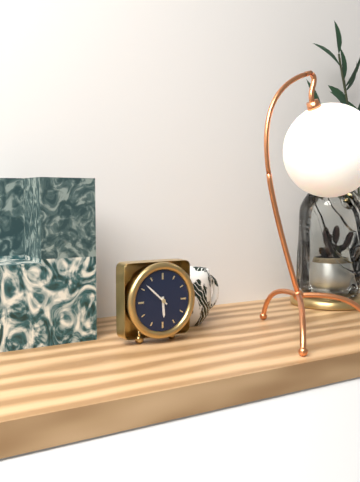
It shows 5 h 52 min
